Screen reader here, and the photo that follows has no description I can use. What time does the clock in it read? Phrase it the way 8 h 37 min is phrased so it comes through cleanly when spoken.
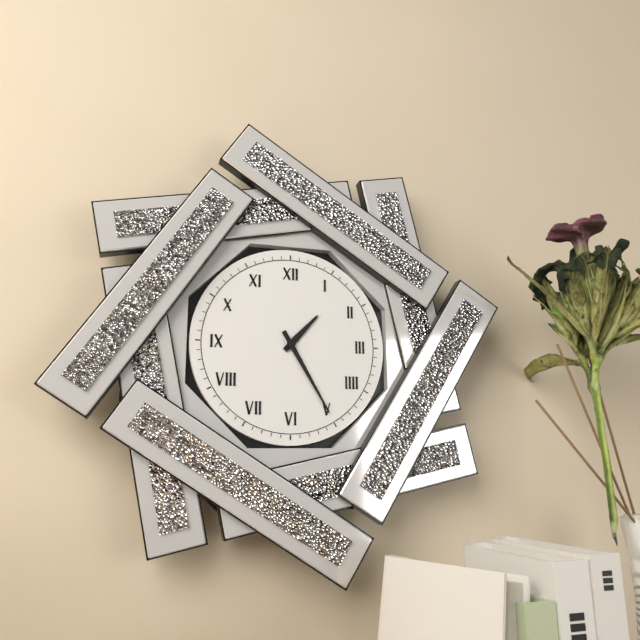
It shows 1 h 25 min
